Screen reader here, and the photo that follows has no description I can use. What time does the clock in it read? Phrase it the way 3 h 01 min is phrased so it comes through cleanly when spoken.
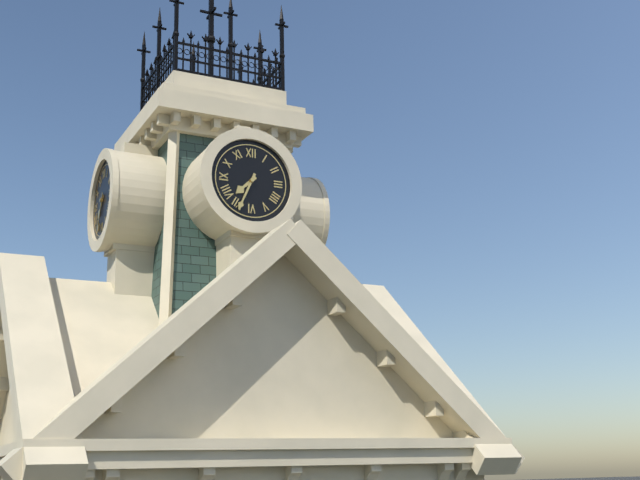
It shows 7 h 34 min
